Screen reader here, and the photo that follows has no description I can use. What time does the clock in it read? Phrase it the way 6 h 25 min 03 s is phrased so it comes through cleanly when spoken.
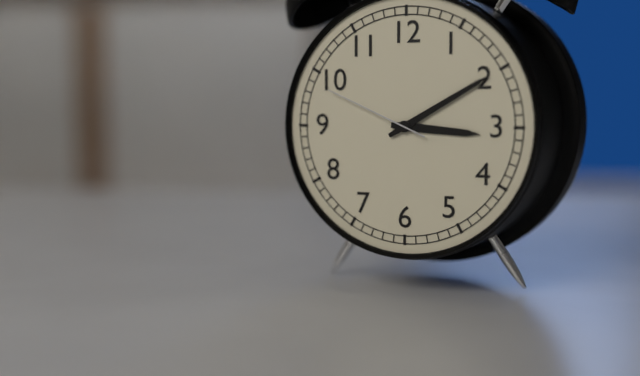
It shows 3 h 10 min 49 s
